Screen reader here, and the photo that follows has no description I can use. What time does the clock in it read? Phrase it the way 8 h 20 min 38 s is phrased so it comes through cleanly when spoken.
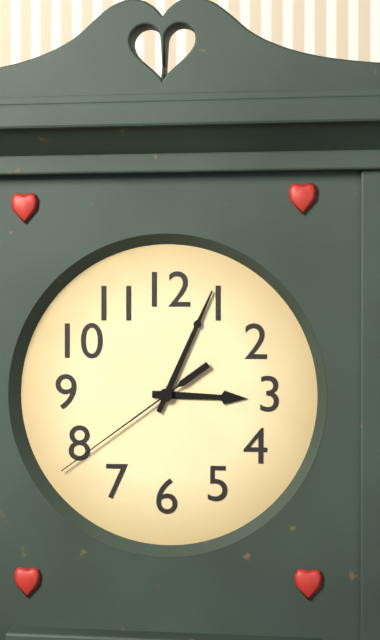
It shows 3 h 04 min 39 s
